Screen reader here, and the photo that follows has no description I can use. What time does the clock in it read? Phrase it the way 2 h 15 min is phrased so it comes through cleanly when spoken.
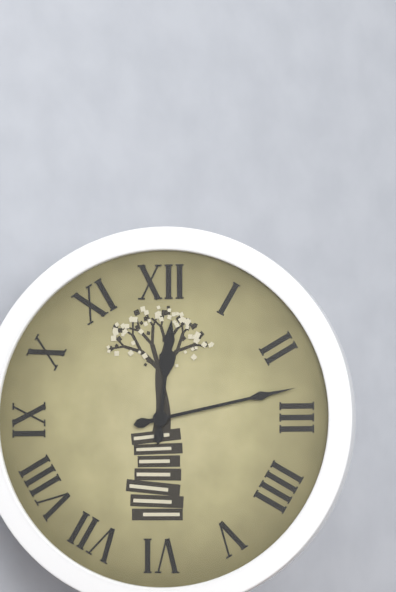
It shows 12 h 13 min
